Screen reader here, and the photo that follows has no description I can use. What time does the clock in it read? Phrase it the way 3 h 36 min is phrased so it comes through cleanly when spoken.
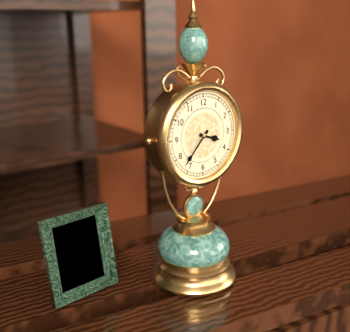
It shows 3 h 37 min
